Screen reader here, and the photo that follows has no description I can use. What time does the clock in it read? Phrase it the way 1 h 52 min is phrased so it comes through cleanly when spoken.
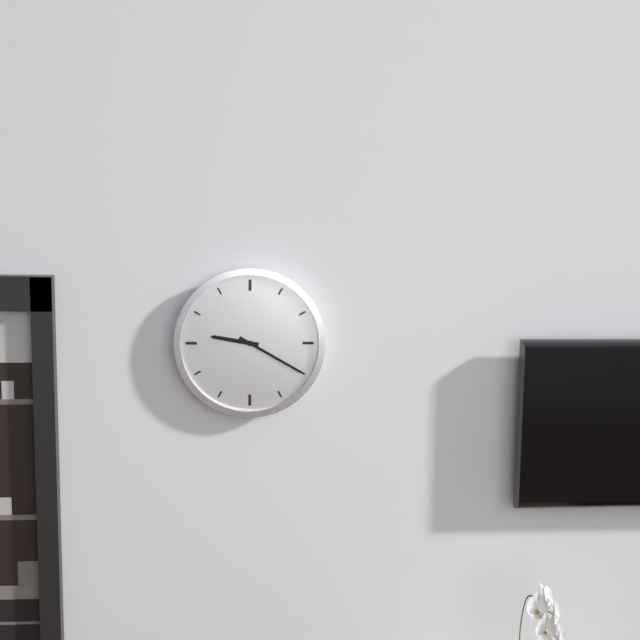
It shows 9 h 20 min
